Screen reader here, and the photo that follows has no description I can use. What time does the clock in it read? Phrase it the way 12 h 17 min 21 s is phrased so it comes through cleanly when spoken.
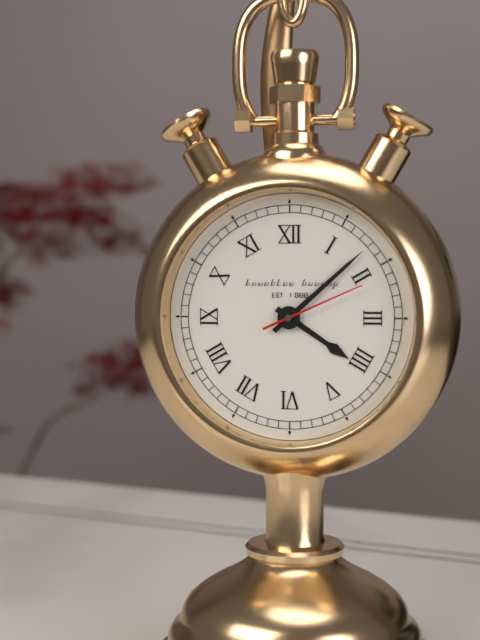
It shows 4 h 08 min 11 s
